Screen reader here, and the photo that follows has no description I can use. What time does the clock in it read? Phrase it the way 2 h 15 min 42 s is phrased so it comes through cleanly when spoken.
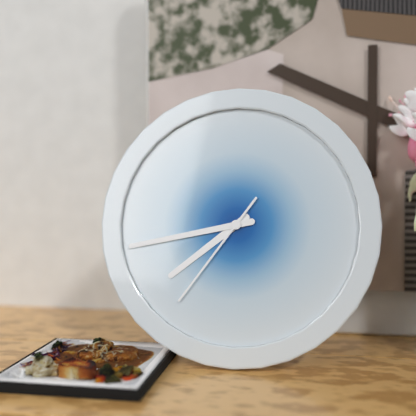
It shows 7 h 43 min 36 s
